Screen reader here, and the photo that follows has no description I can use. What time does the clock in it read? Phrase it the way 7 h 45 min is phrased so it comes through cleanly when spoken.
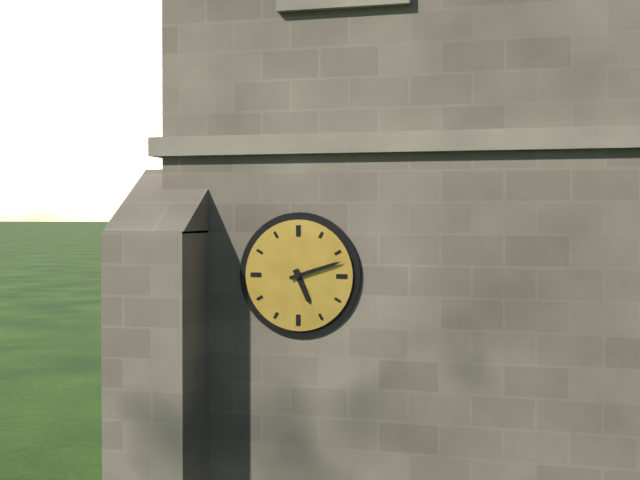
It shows 5 h 12 min
